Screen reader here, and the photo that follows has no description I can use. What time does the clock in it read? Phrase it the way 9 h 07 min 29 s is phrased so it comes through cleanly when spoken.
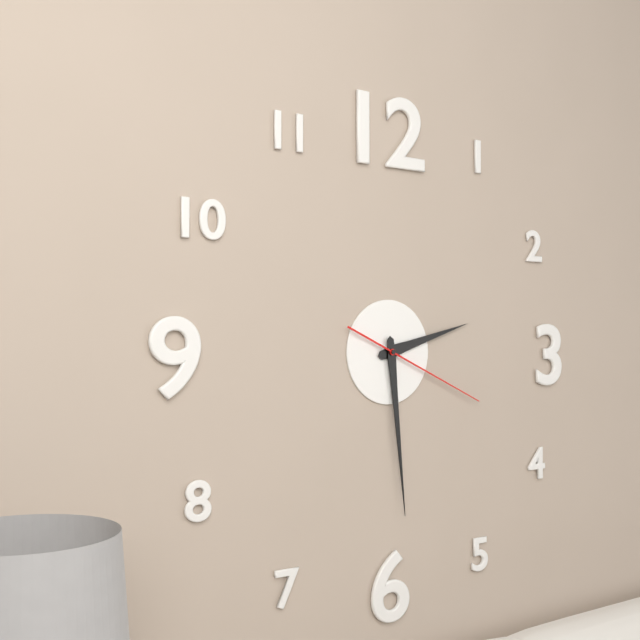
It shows 2 h 29 min 19 s
